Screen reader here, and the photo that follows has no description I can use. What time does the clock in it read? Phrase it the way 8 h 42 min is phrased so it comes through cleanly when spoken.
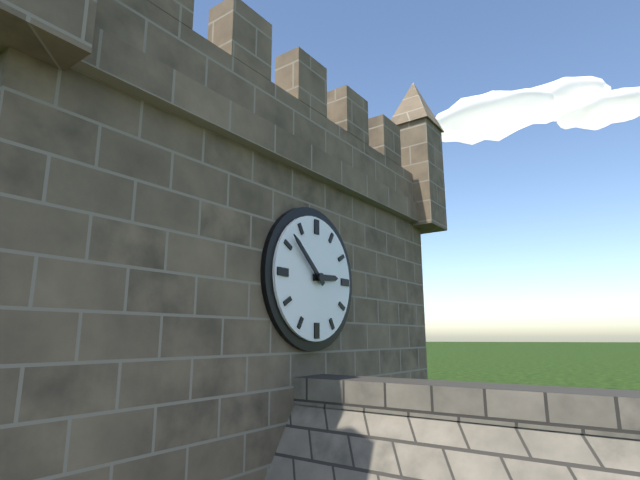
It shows 2 h 52 min
